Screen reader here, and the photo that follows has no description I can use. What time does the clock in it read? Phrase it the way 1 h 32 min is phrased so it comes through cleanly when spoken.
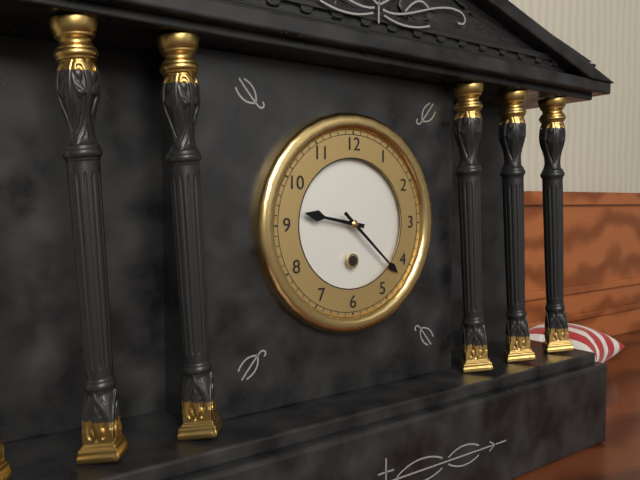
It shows 9 h 22 min
